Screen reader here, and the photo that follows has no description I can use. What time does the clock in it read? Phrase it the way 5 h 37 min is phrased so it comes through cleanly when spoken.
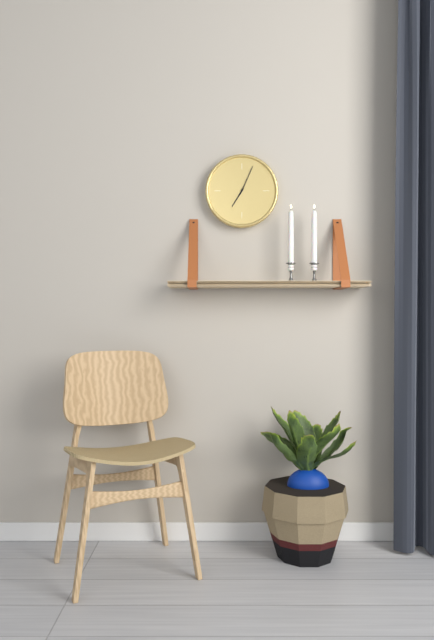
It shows 7 h 04 min
